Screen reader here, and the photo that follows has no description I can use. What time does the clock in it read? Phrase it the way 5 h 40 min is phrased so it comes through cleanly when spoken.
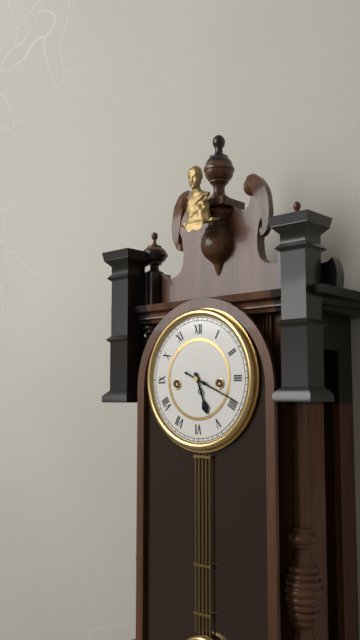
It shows 5 h 19 min
